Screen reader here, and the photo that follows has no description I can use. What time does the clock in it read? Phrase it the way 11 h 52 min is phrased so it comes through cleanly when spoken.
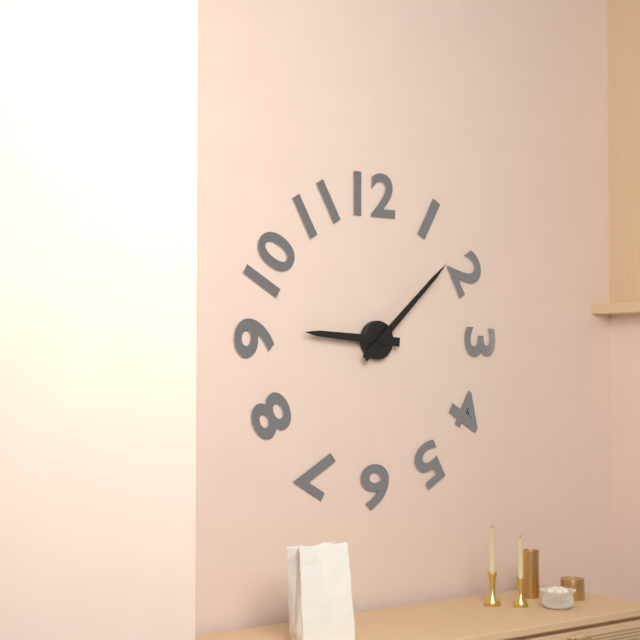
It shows 9 h 08 min
